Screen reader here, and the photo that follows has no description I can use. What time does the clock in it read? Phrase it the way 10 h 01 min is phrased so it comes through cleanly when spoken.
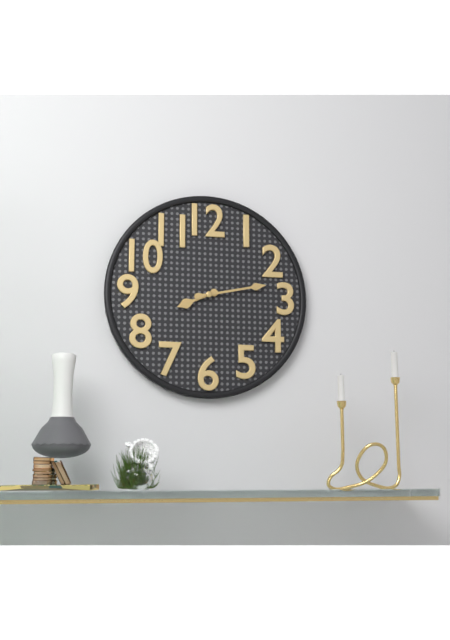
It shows 8 h 13 min
